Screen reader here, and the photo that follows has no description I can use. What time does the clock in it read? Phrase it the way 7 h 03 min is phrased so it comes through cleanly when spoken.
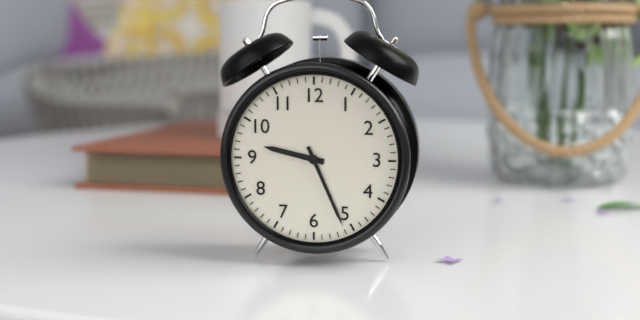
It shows 9 h 26 min
